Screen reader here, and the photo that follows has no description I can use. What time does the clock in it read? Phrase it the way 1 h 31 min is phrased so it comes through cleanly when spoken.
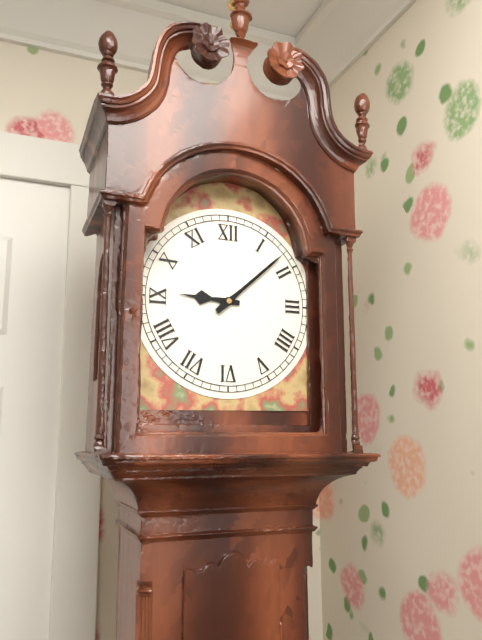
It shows 9 h 08 min
